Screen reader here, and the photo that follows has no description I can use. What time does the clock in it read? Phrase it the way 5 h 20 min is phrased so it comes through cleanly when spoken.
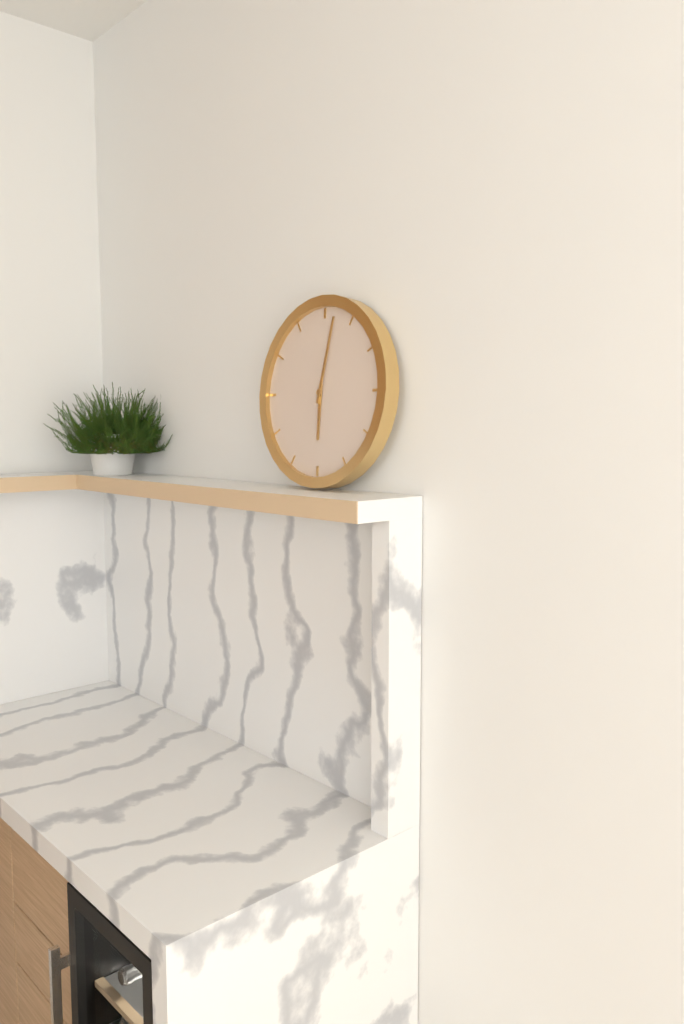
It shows 6 h 02 min
